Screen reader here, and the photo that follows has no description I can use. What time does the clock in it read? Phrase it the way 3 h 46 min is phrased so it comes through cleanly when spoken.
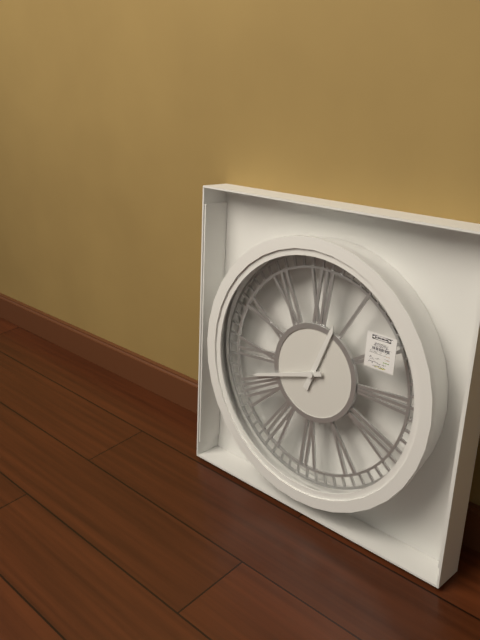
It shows 12 h 42 min
